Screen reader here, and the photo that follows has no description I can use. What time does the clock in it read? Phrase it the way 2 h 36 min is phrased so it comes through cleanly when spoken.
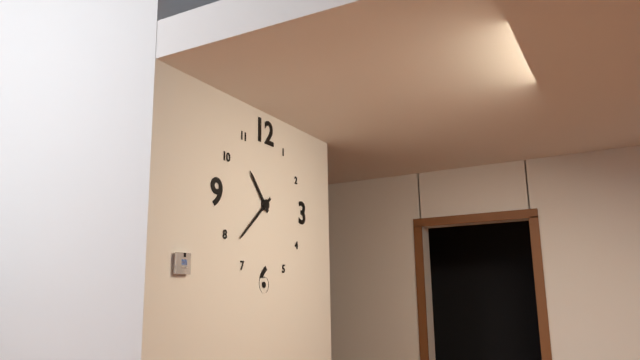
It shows 10 h 38 min
